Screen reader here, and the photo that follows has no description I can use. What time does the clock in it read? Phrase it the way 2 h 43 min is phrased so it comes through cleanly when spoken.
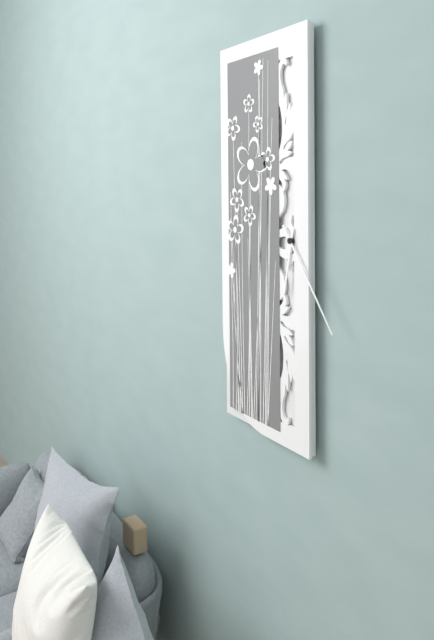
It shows 6 h 24 min
